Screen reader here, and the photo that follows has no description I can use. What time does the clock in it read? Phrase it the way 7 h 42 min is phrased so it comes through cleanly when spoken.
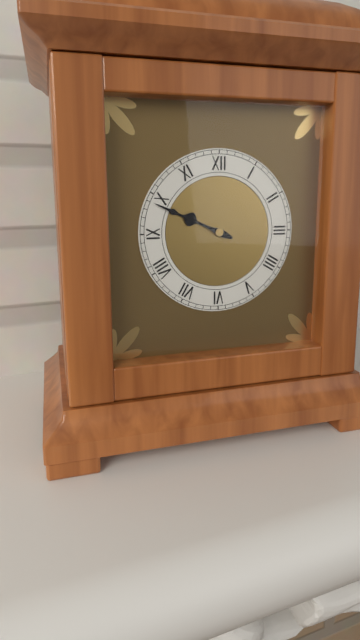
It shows 9 h 49 min
